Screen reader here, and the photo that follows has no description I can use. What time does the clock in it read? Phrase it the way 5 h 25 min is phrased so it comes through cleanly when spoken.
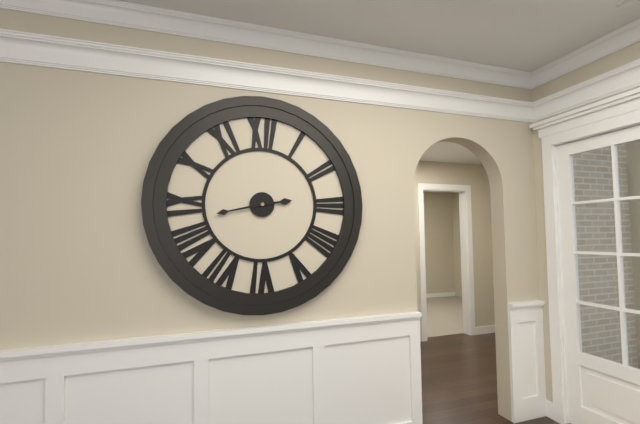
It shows 2 h 43 min
